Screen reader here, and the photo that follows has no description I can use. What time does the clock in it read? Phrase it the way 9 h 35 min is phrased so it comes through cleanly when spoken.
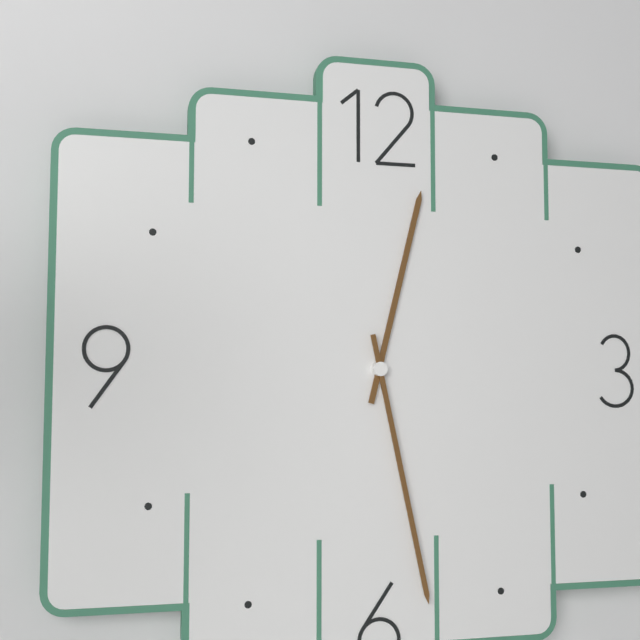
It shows 12 h 28 min
